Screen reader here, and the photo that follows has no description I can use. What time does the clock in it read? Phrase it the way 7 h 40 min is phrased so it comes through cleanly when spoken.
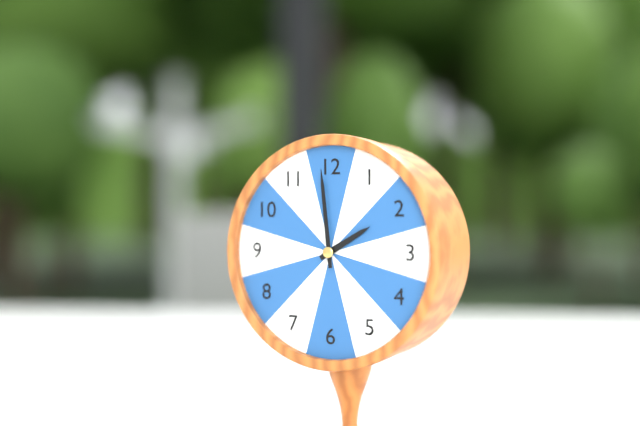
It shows 1 h 59 min
